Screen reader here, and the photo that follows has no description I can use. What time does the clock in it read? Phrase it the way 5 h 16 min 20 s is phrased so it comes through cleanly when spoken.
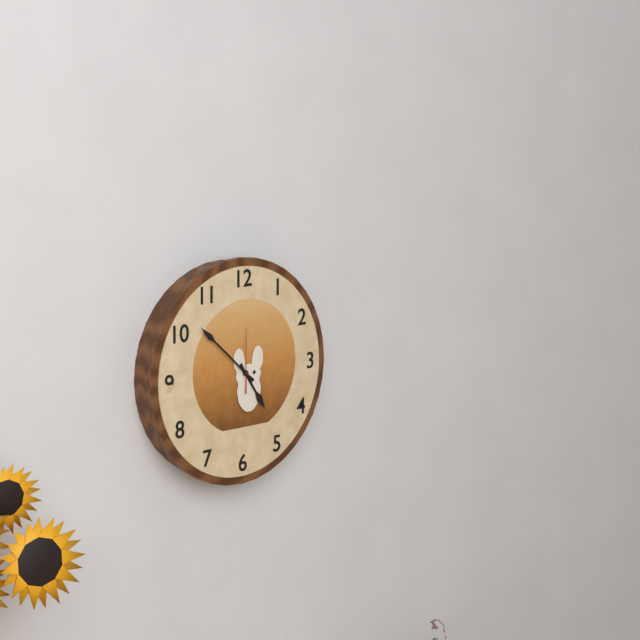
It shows 4 h 52 min 00 s
